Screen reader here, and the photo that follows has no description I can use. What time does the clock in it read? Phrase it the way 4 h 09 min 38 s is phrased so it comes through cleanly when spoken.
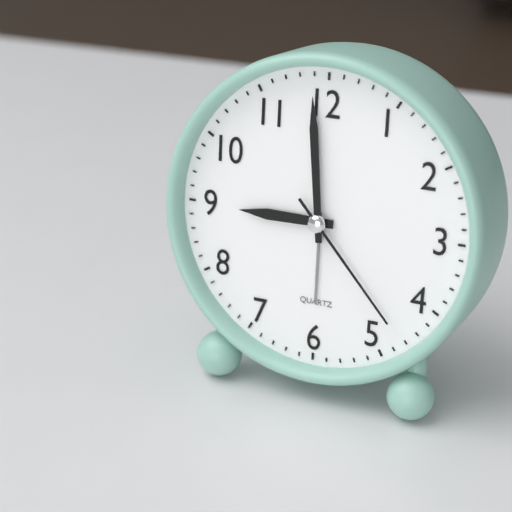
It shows 8 h 59 min 23 s
